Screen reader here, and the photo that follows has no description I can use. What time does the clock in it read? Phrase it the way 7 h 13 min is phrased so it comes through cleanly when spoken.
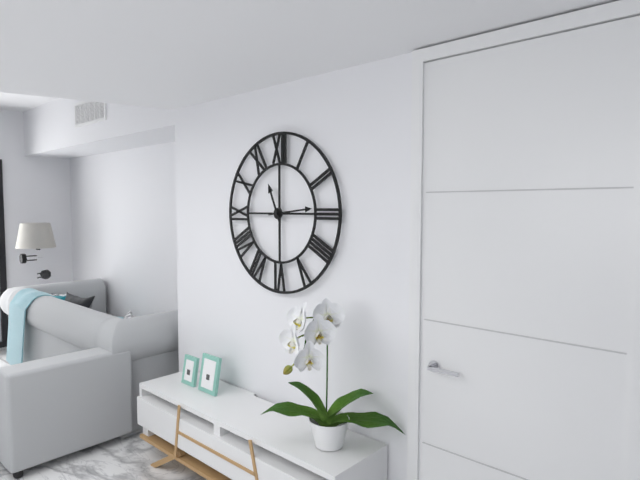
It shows 11 h 14 min
